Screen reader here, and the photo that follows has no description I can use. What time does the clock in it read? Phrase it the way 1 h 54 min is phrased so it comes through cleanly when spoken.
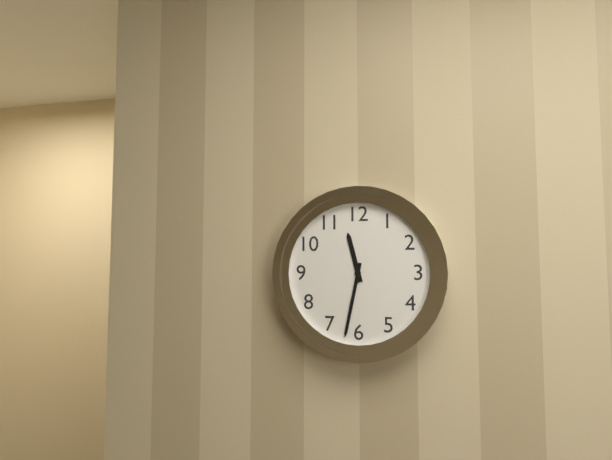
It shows 11 h 32 min
